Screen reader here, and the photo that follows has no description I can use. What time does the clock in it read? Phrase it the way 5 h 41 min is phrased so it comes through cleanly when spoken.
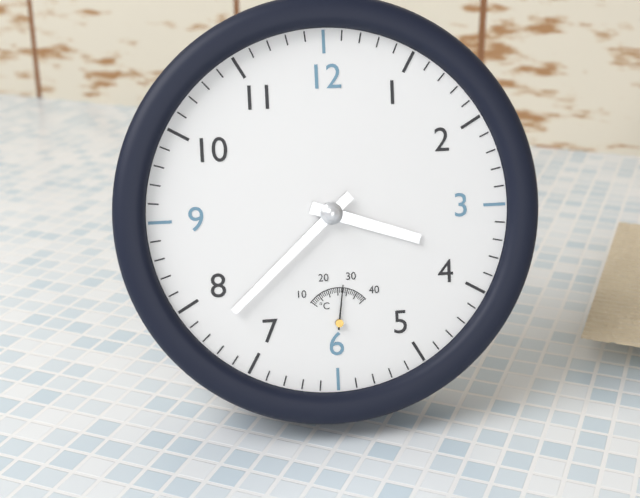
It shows 3 h 38 min
